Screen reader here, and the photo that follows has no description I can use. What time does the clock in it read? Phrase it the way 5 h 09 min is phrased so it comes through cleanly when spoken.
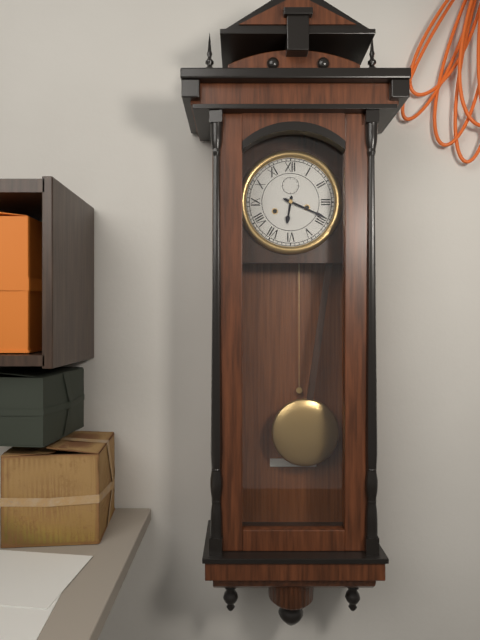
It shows 6 h 19 min
